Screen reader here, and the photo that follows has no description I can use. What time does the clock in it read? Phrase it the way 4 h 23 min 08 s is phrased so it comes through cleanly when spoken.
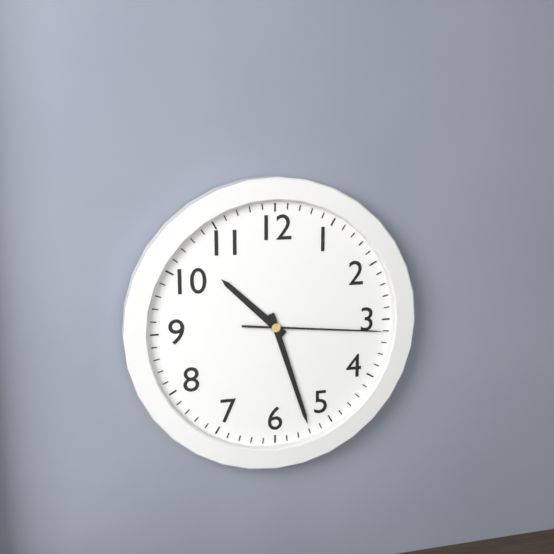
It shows 10 h 27 min 16 s
